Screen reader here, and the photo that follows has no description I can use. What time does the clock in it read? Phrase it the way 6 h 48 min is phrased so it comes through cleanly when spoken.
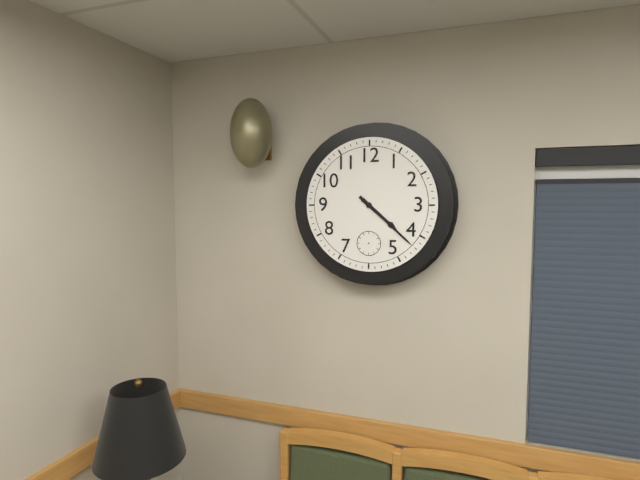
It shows 4 h 22 min
